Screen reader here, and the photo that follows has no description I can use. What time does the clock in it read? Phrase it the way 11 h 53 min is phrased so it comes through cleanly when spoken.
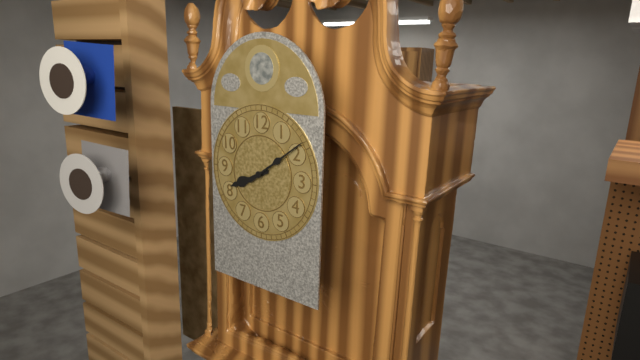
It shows 8 h 09 min
